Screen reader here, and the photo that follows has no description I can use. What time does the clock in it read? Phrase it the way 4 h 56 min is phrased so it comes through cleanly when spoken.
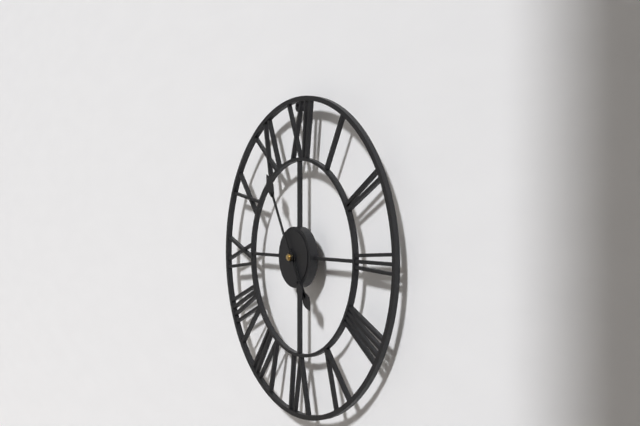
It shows 4 h 55 min
